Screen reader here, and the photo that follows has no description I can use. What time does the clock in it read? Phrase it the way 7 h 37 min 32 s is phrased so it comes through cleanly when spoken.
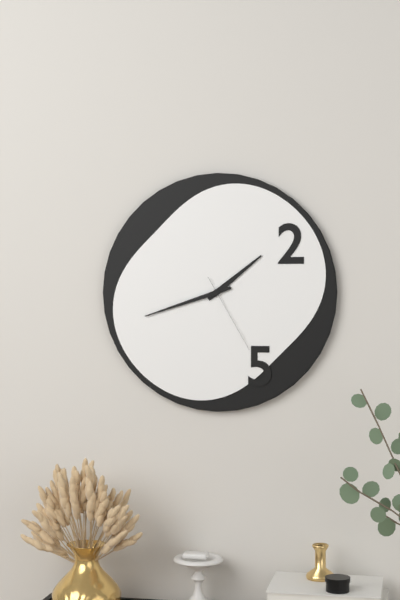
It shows 1 h 42 min 25 s
